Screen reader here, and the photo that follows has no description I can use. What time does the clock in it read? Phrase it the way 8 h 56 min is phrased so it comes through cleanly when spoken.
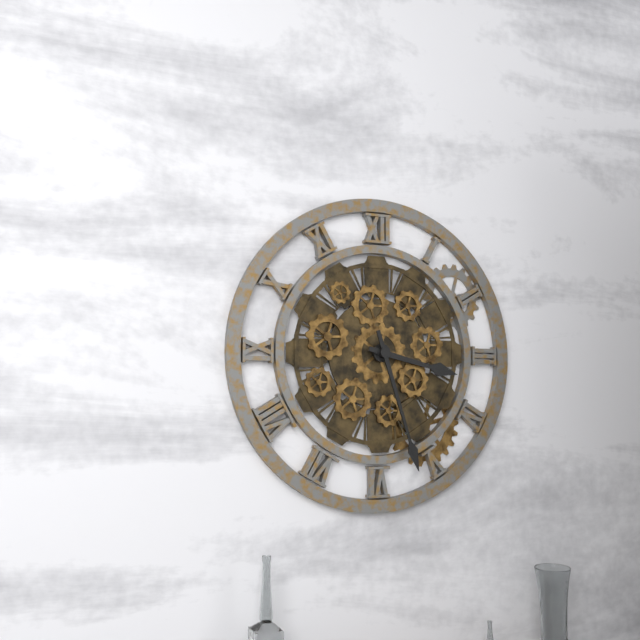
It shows 3 h 27 min
